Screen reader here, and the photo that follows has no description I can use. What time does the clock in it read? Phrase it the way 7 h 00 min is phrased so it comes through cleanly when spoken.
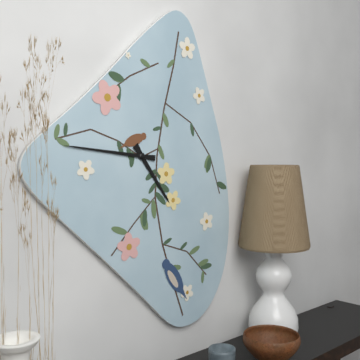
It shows 4 h 46 min
